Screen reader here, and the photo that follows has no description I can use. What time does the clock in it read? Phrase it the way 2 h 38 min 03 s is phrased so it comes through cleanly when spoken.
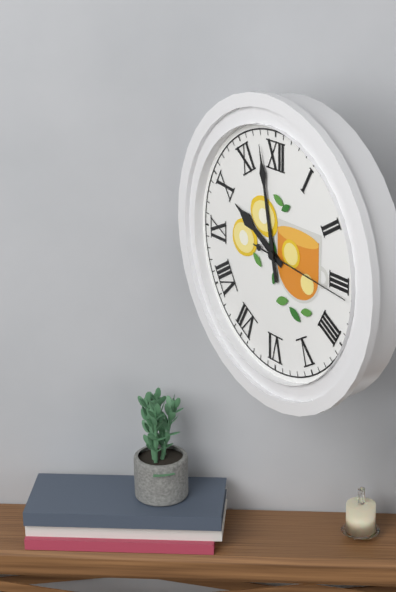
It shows 9 h 58 min 16 s
